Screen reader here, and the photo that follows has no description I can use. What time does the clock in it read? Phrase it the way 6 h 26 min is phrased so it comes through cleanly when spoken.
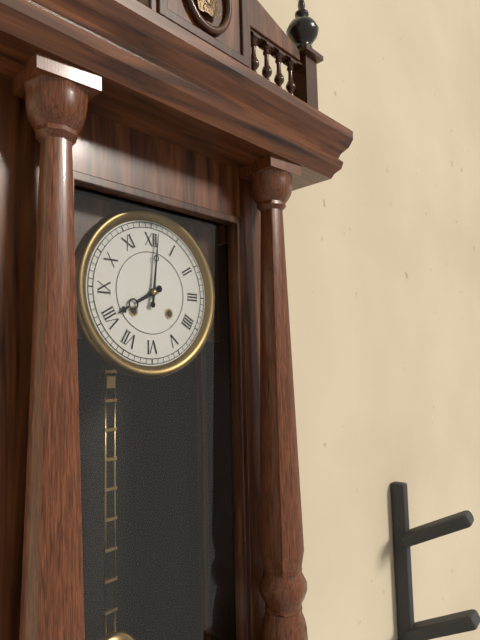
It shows 8 h 01 min
